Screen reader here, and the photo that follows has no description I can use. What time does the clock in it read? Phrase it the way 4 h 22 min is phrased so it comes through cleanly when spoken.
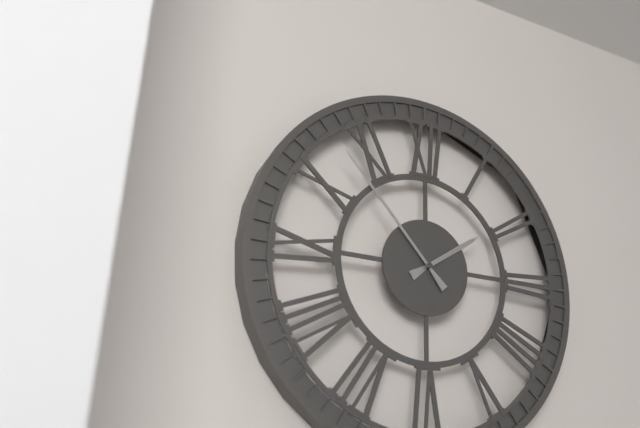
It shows 1 h 53 min
